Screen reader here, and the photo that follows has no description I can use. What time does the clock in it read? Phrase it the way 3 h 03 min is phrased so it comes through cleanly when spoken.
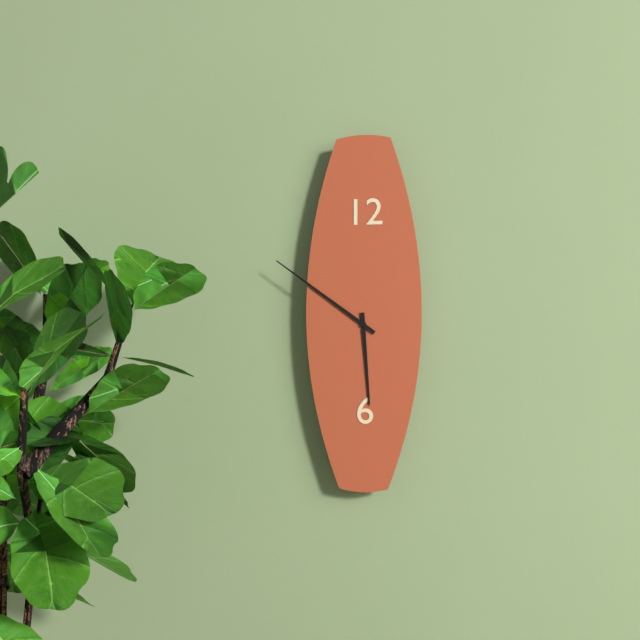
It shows 5 h 51 min
